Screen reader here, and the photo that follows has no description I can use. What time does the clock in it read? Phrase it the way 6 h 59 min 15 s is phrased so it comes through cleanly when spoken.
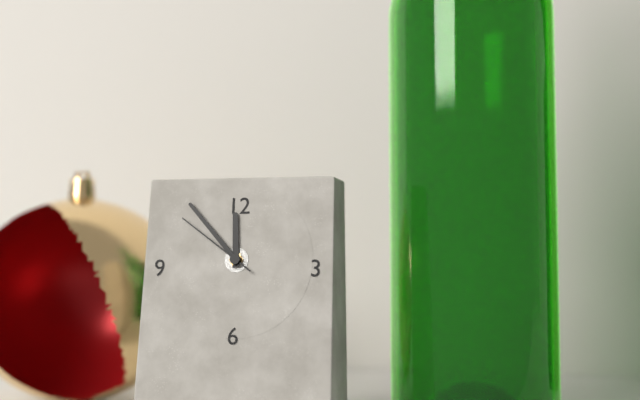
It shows 11 h 53 min 51 s
